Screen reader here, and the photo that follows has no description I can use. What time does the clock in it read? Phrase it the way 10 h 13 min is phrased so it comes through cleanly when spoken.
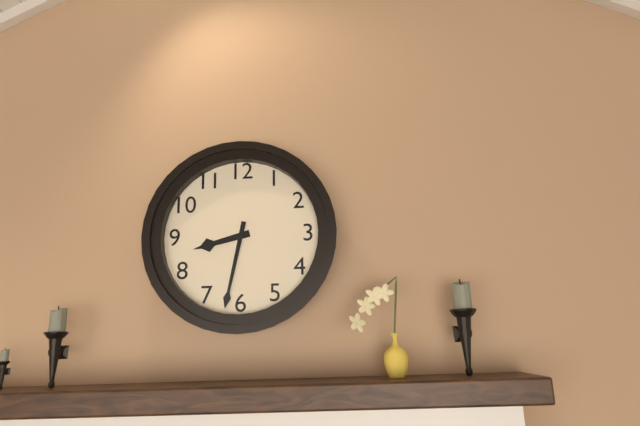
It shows 8 h 32 min
